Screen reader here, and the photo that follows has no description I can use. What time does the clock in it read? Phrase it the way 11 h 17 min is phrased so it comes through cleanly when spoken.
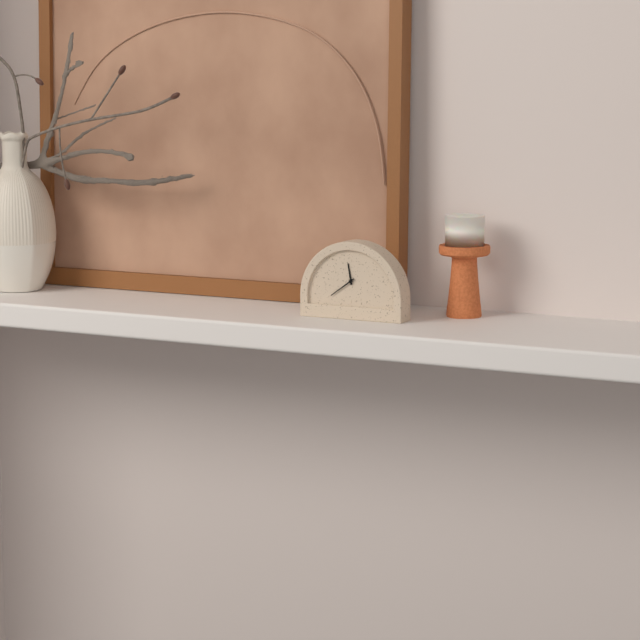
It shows 11 h 39 min
